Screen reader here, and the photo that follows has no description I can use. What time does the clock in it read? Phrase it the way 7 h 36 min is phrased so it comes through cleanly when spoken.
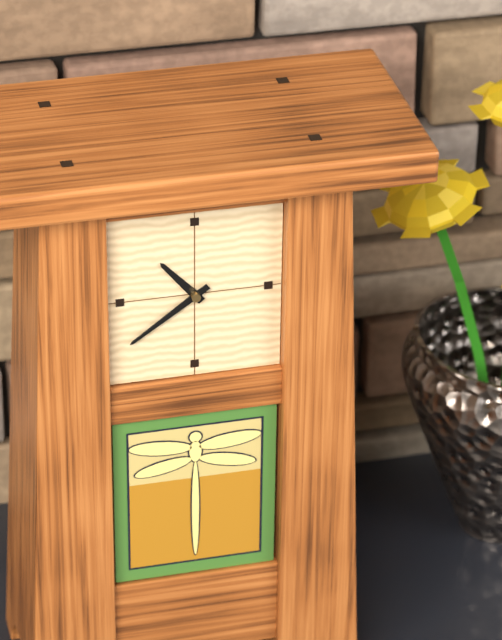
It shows 10 h 39 min
